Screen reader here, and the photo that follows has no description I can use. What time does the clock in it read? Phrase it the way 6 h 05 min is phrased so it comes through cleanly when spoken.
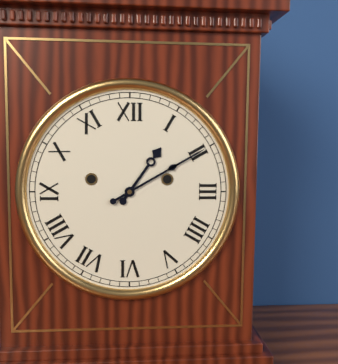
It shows 1 h 10 min
